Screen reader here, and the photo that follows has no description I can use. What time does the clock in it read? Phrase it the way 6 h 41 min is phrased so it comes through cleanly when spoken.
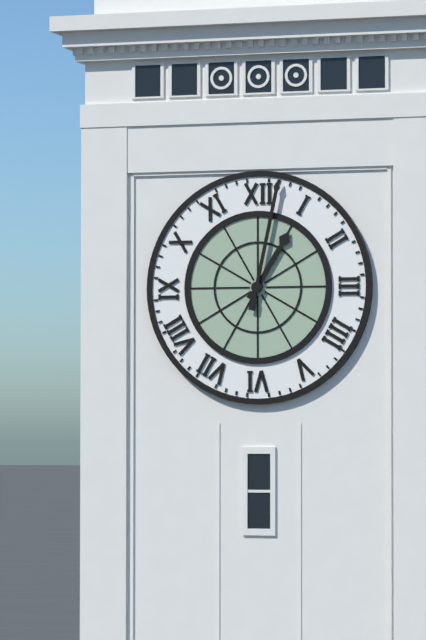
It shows 1 h 02 min
